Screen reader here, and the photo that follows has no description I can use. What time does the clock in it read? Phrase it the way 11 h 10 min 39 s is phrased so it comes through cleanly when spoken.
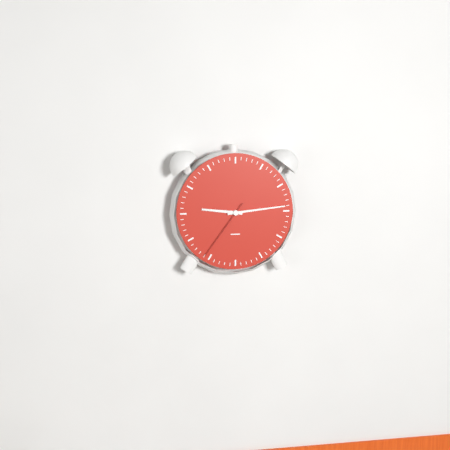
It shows 9 h 14 min 36 s
